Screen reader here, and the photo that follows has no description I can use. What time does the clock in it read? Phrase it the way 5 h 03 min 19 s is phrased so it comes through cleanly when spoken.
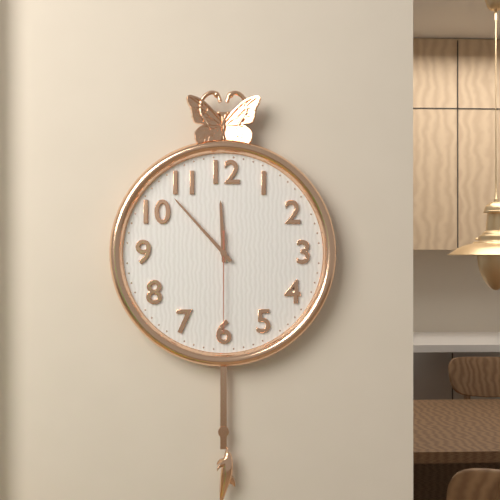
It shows 11 h 53 min 30 s
